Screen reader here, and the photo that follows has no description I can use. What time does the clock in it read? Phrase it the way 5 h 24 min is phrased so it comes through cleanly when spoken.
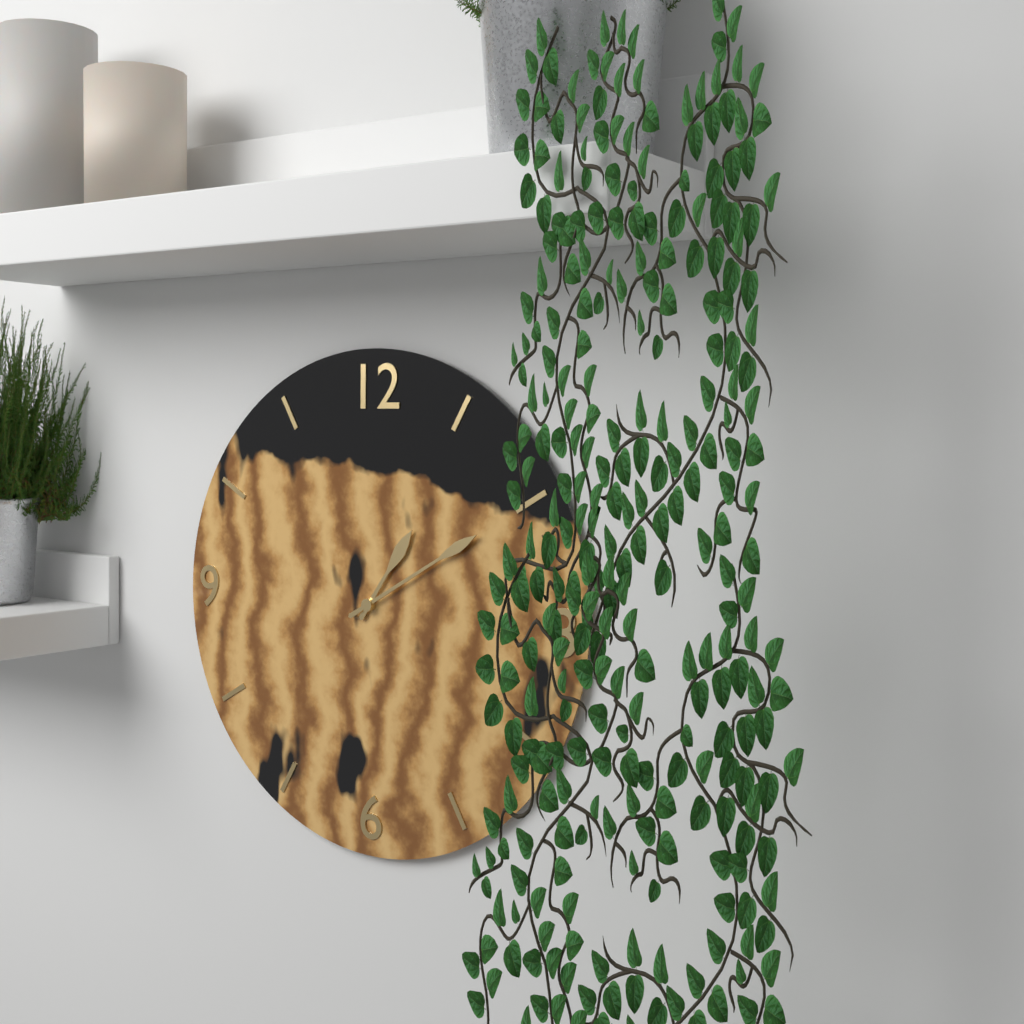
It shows 1 h 10 min
